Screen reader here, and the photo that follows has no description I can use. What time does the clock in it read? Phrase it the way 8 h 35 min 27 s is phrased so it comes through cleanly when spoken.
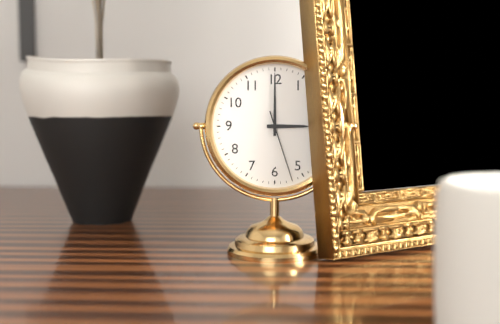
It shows 3 h 00 min 27 s
